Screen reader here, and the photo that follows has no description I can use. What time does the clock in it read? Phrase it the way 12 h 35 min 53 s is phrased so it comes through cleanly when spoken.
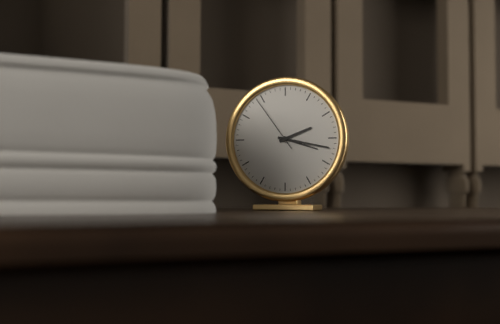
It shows 2 h 17 min 54 s
